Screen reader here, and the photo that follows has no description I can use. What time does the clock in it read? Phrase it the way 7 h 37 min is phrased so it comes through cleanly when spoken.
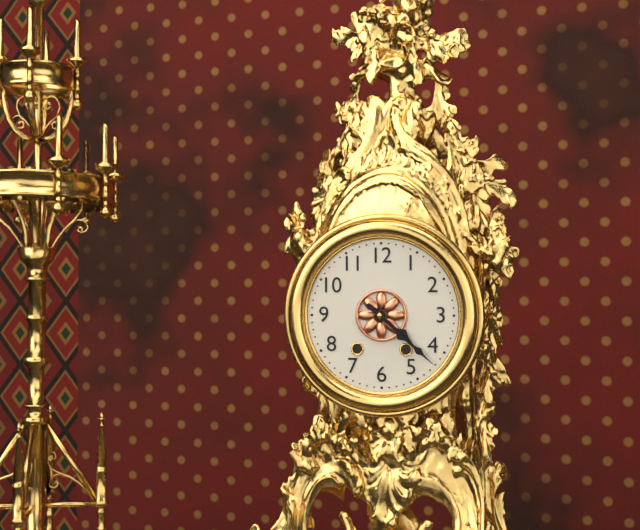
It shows 4 h 22 min
